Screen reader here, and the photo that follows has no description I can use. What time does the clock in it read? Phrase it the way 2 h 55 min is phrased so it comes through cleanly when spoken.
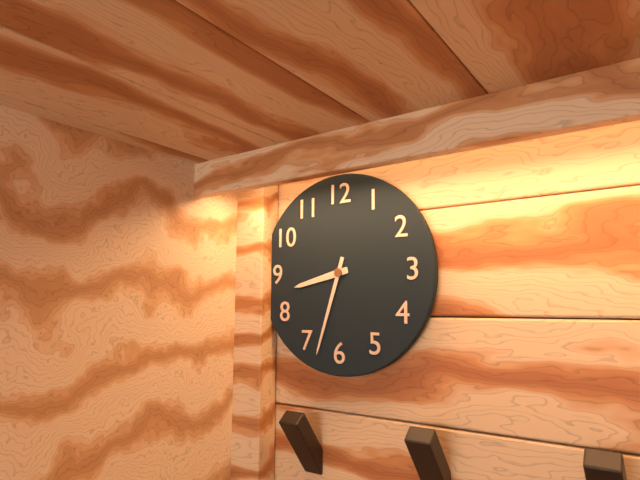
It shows 8 h 33 min
